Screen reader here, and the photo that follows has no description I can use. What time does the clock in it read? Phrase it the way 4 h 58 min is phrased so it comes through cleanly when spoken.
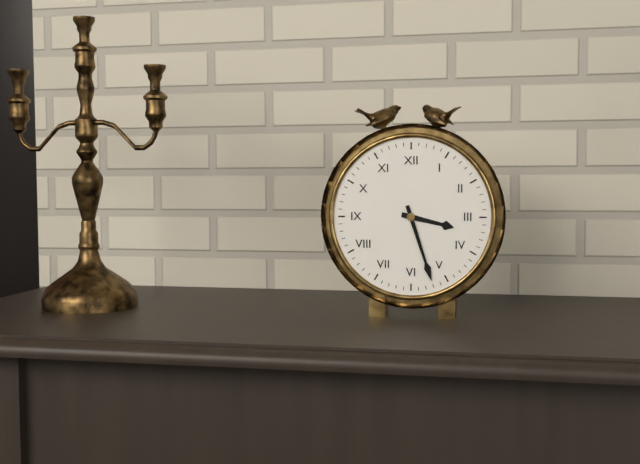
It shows 3 h 27 min
